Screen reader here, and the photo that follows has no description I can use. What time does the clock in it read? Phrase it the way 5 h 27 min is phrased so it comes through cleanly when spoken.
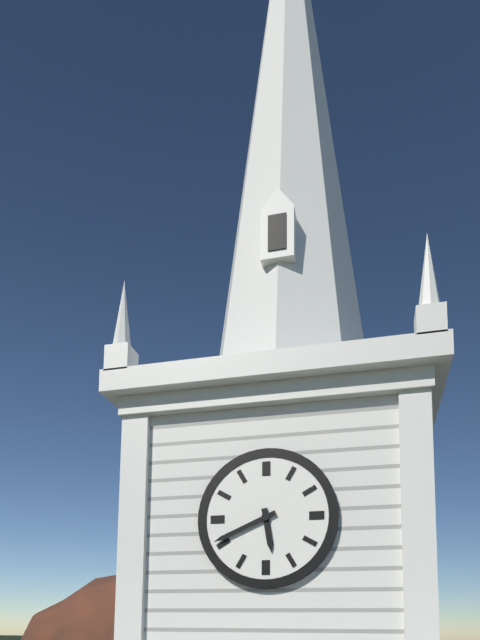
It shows 5 h 41 min
